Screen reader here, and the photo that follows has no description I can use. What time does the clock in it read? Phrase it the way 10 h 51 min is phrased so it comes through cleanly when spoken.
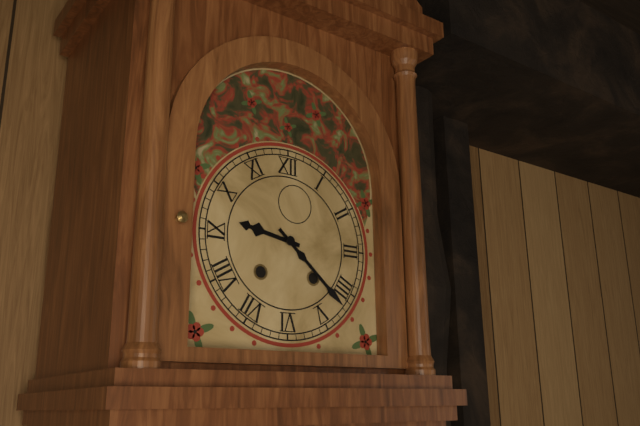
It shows 9 h 22 min
